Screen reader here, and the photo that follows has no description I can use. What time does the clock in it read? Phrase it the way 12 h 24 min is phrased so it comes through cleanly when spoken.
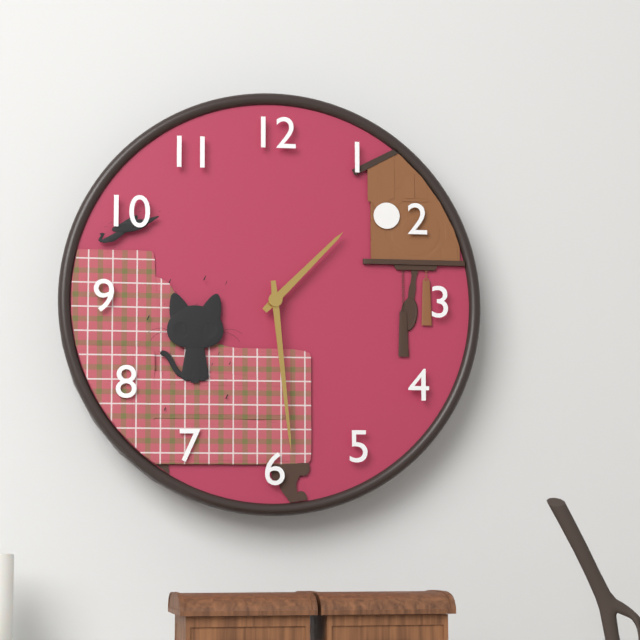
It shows 1 h 29 min
